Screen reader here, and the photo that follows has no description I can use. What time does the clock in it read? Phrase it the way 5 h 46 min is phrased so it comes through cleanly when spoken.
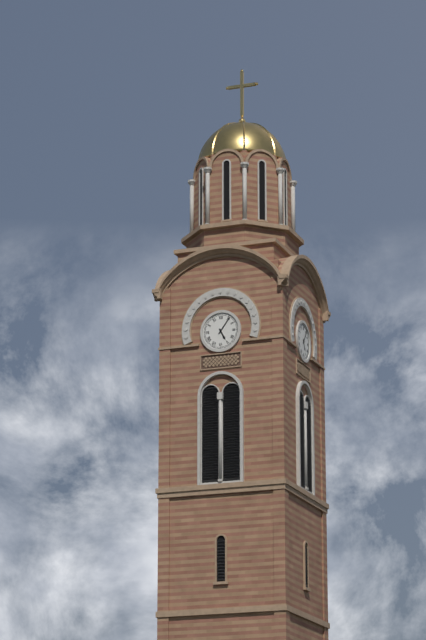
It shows 5 h 06 min
